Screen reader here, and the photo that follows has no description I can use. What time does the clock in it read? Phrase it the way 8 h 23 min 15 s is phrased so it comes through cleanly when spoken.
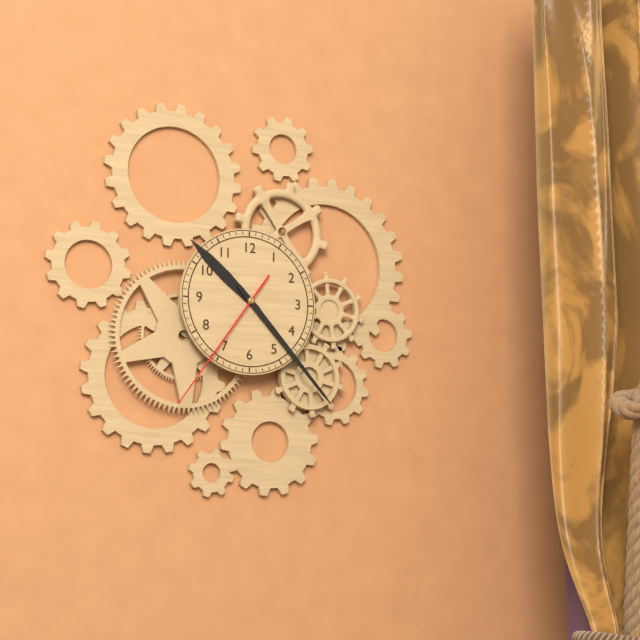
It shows 10 h 23 min 36 s
